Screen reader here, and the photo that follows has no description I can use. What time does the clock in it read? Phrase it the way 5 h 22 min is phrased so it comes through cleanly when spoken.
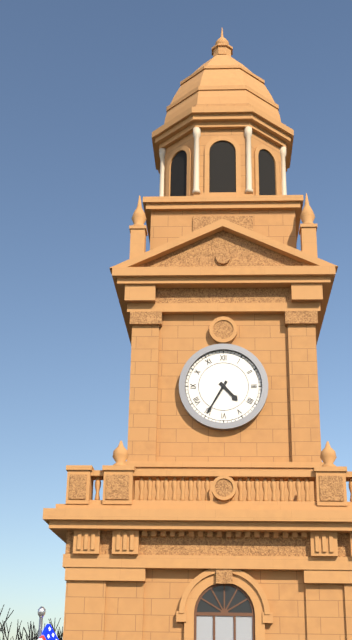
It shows 4 h 35 min
